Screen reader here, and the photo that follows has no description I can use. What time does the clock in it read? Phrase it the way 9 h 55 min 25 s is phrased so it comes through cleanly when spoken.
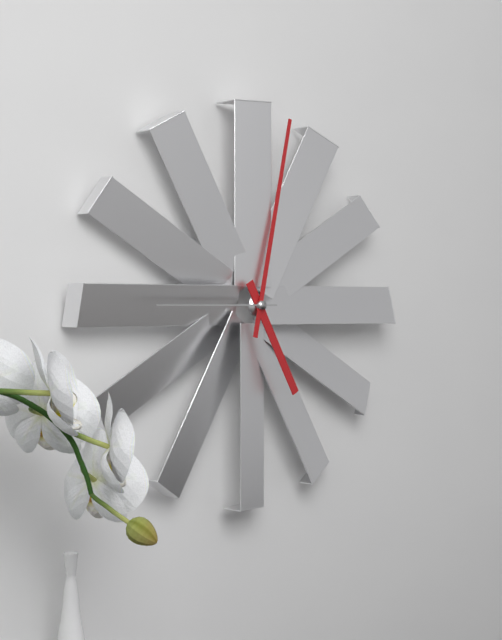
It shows 5 h 02 min 45 s
